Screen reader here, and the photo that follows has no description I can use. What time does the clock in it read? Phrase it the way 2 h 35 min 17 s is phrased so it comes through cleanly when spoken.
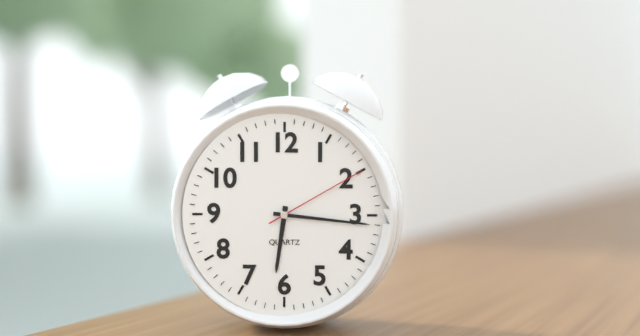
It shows 6 h 16 min 10 s
